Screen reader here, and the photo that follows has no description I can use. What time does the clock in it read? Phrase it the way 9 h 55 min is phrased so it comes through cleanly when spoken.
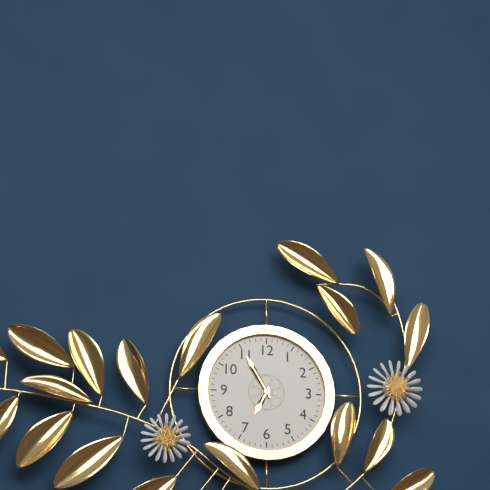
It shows 6 h 55 min
